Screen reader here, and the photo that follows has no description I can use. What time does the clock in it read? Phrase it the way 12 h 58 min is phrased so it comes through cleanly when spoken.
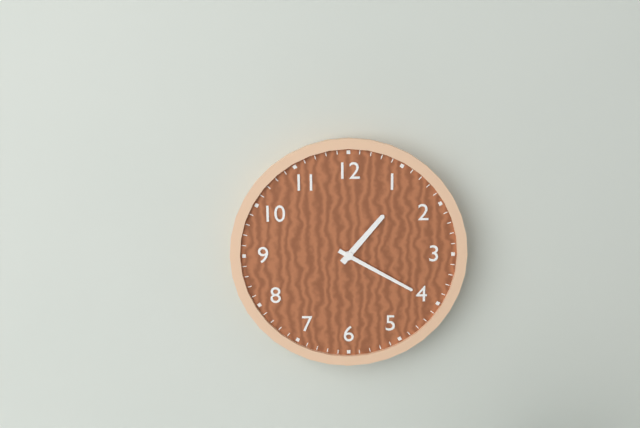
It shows 1 h 20 min
